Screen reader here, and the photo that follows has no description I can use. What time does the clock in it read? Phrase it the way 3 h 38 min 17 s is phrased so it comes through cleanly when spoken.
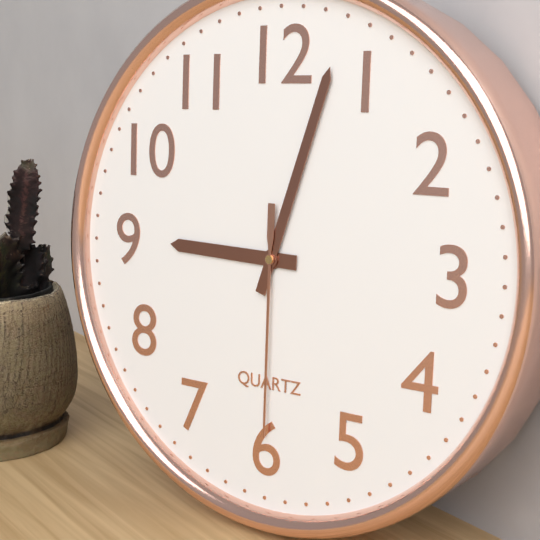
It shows 9 h 03 min 30 s
